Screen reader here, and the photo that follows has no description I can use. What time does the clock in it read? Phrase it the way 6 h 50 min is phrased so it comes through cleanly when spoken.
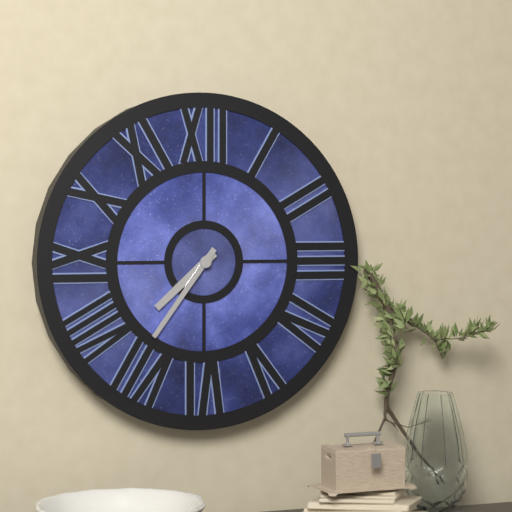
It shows 7 h 36 min
